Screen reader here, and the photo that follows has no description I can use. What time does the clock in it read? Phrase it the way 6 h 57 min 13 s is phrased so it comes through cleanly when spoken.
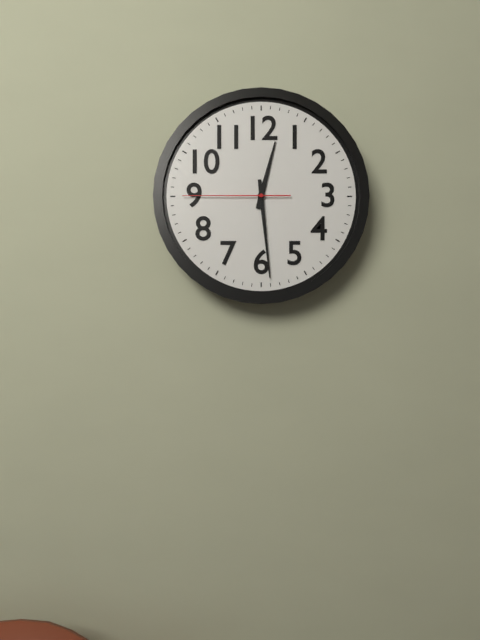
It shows 12 h 29 min 45 s
